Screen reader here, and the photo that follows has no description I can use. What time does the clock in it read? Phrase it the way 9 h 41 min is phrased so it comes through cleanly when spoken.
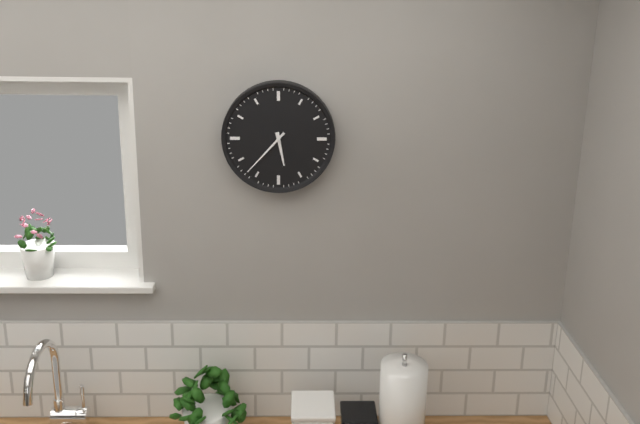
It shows 5 h 37 min
